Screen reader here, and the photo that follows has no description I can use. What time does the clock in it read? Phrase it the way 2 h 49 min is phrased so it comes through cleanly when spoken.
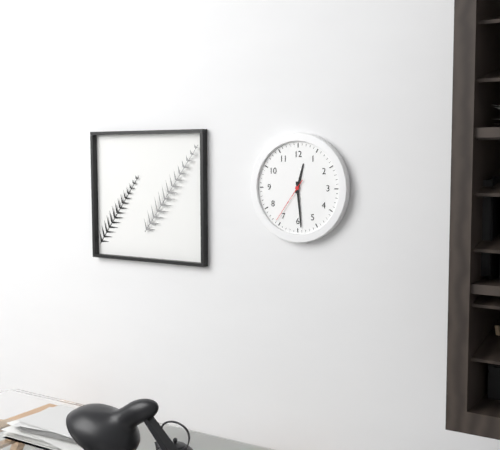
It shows 12 h 29 min
